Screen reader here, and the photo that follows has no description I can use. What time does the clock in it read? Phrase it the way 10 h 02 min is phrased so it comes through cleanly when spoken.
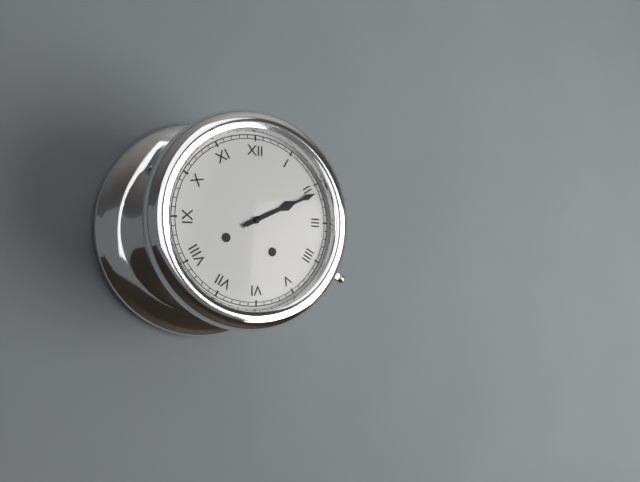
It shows 2 h 11 min
